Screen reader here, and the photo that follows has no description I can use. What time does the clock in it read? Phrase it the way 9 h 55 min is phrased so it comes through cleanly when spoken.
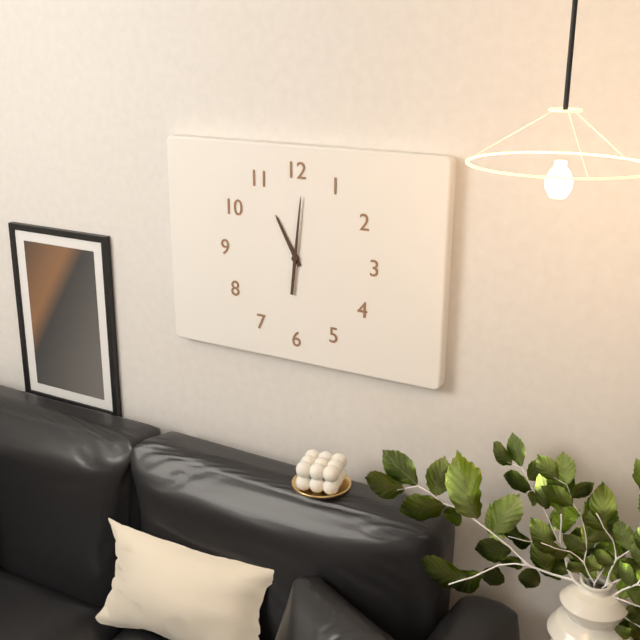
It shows 11 h 01 min
